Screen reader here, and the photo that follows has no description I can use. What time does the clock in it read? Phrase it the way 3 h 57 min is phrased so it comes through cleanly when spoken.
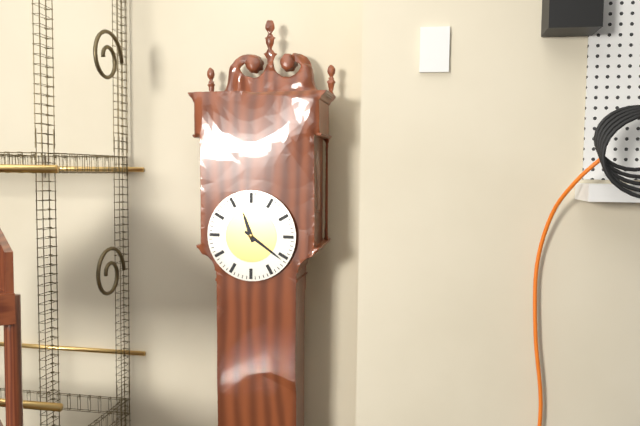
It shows 11 h 21 min
